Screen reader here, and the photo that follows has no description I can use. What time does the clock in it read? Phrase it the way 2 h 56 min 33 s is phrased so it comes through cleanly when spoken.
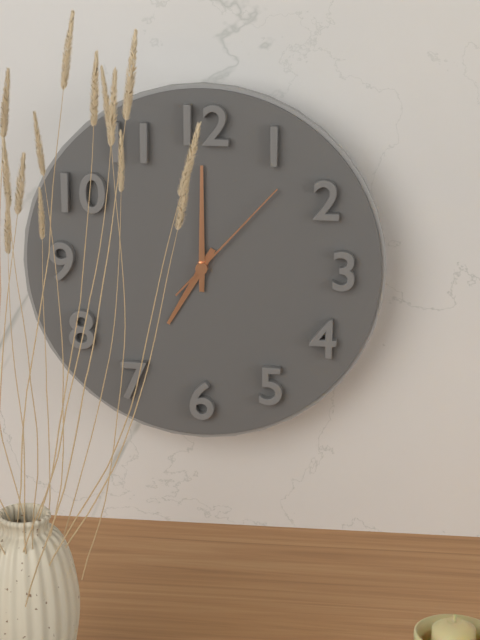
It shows 7 h 00 min 07 s
